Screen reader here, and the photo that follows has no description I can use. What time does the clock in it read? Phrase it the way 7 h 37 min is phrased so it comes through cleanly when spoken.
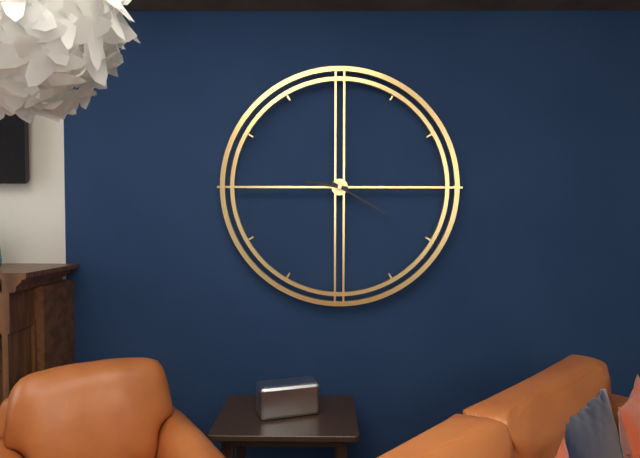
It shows 9 h 20 min
